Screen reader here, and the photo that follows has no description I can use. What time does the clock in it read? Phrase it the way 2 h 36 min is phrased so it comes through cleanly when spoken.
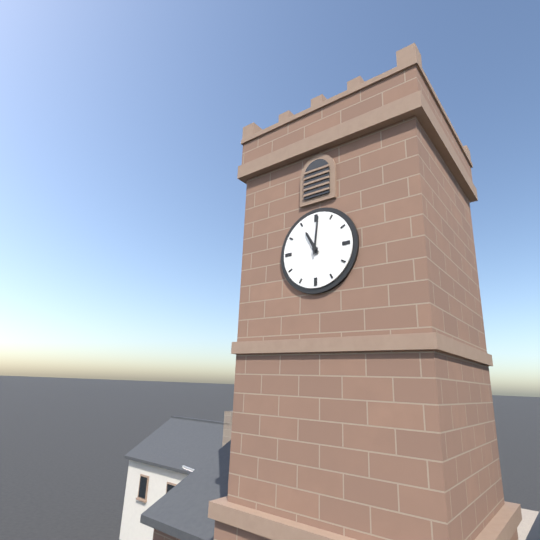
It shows 11 h 01 min
